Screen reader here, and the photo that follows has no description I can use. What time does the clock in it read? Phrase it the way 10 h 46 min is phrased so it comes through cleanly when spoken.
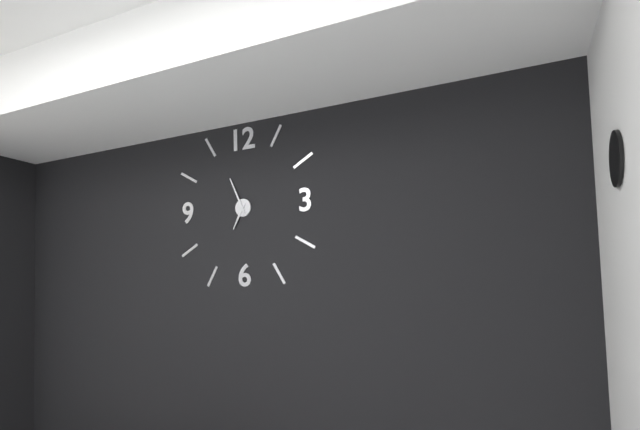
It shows 6 h 56 min
